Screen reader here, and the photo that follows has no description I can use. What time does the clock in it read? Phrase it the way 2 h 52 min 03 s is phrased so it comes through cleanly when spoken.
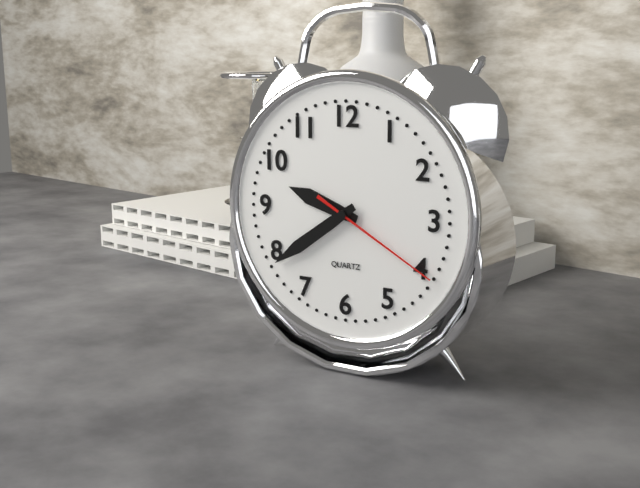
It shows 9 h 39 min 20 s
